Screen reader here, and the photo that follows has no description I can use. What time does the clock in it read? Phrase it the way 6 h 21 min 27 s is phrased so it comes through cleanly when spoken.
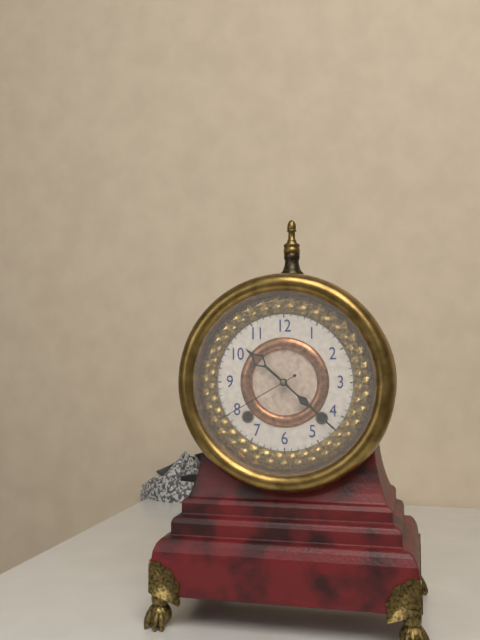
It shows 10 h 22 min 40 s
